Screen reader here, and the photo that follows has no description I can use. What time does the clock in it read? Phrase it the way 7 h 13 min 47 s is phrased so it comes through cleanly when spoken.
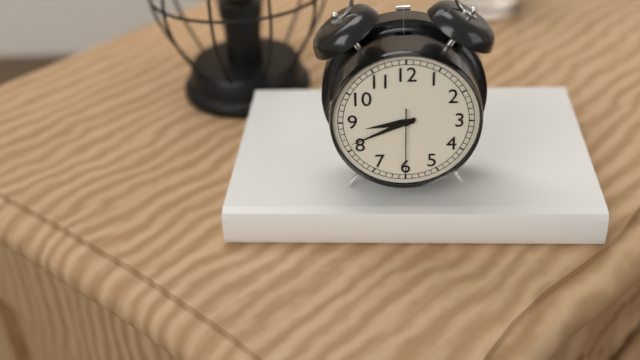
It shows 8 h 41 min 30 s
